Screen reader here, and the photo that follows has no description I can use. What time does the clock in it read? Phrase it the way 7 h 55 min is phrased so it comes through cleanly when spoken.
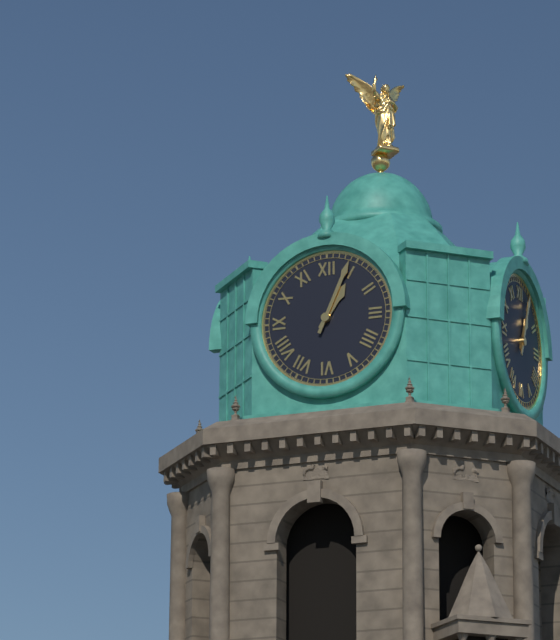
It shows 1 h 04 min
